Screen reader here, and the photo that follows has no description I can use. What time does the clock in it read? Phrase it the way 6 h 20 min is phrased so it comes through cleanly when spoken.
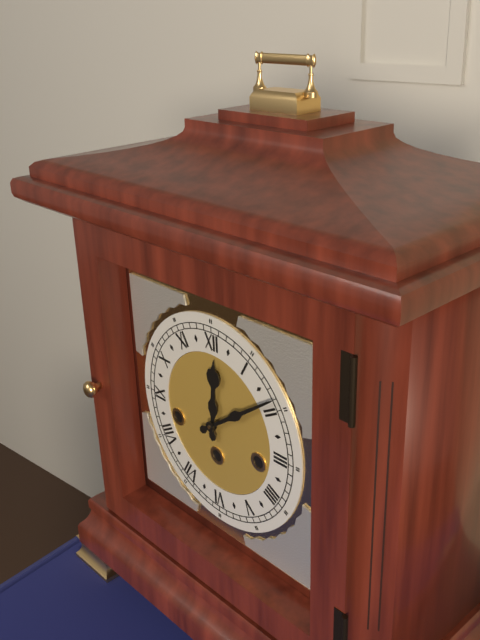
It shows 12 h 09 min
